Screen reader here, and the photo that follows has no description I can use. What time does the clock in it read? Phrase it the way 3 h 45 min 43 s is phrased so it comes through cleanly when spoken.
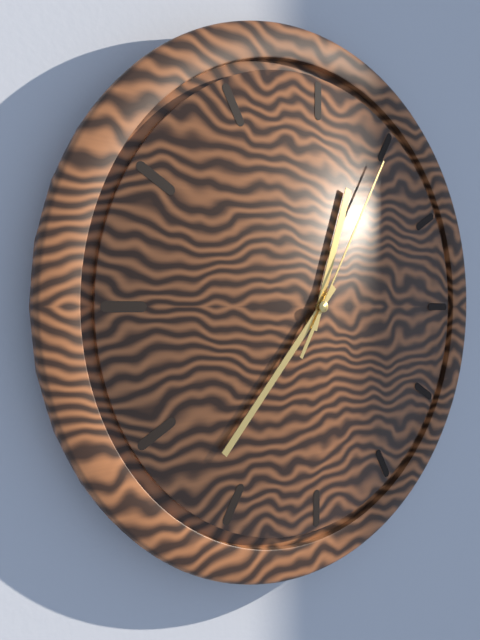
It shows 12 h 37 min 05 s
